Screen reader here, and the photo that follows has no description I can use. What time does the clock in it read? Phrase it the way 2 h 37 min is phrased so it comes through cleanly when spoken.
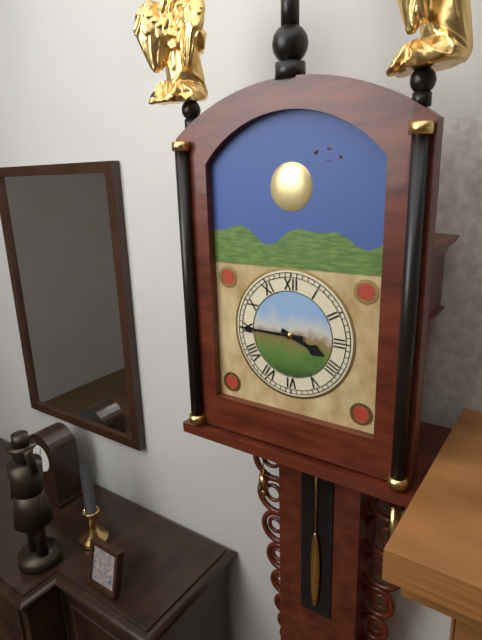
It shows 3 h 45 min
